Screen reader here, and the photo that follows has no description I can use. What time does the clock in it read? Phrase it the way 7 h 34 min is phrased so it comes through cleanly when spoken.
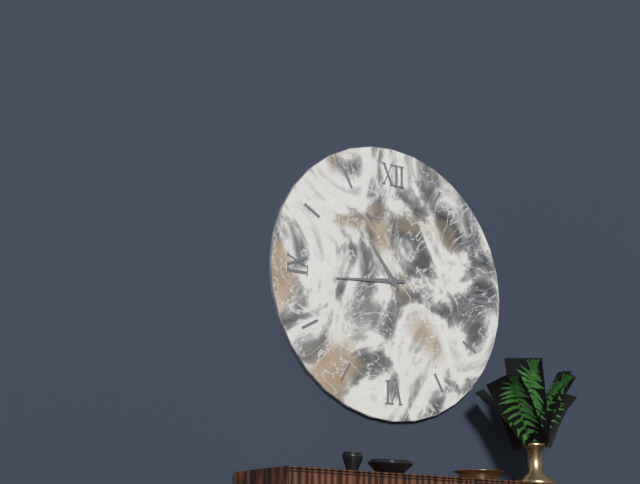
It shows 10 h 44 min
